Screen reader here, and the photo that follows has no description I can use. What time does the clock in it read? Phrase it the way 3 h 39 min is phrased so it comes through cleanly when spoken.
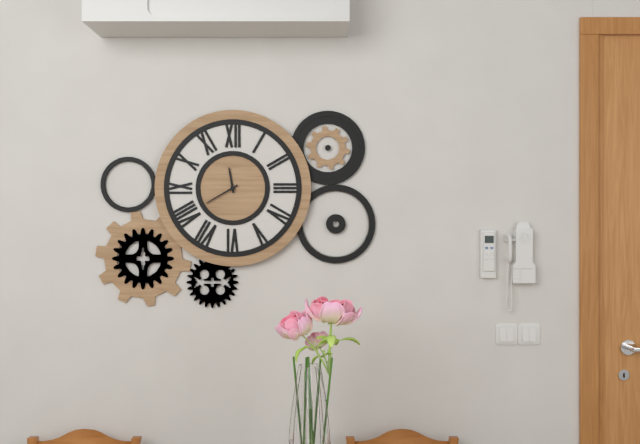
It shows 11 h 40 min
